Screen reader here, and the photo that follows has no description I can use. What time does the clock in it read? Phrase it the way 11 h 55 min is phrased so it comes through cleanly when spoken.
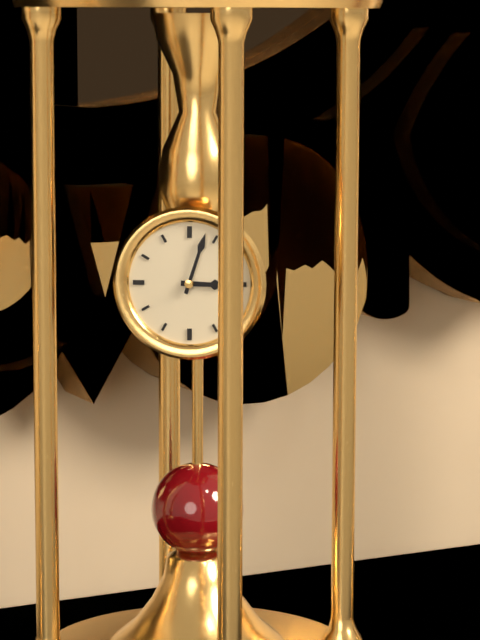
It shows 3 h 03 min
